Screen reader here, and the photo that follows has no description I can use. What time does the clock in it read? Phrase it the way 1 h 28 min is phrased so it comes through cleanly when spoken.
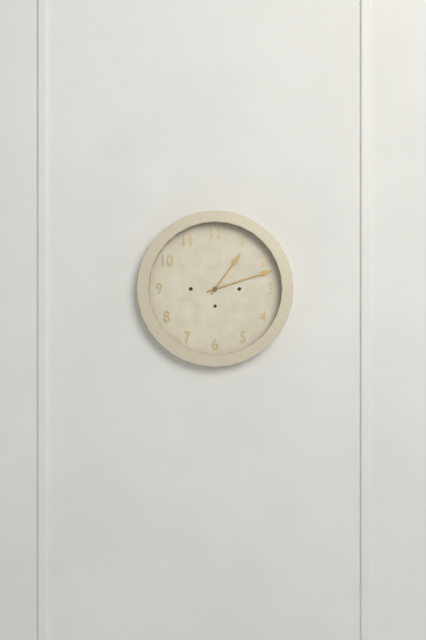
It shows 1 h 12 min
